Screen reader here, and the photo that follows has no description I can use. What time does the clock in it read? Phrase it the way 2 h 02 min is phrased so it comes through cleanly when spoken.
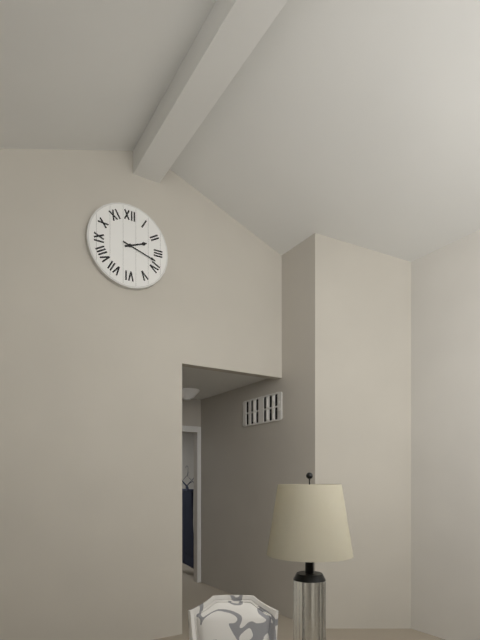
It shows 2 h 18 min
